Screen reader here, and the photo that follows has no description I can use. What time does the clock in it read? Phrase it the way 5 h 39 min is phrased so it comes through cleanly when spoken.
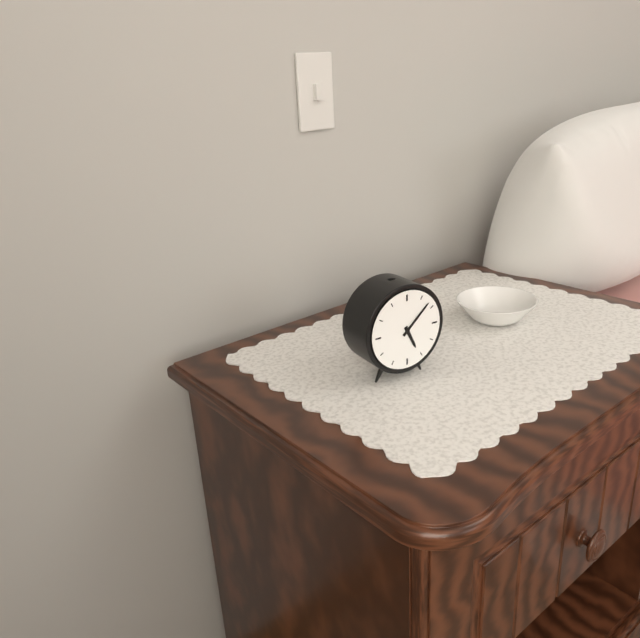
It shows 5 h 08 min
